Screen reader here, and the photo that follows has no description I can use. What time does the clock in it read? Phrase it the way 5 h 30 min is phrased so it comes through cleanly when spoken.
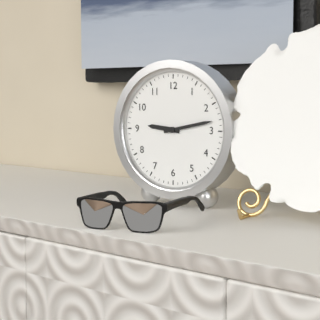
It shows 9 h 13 min
